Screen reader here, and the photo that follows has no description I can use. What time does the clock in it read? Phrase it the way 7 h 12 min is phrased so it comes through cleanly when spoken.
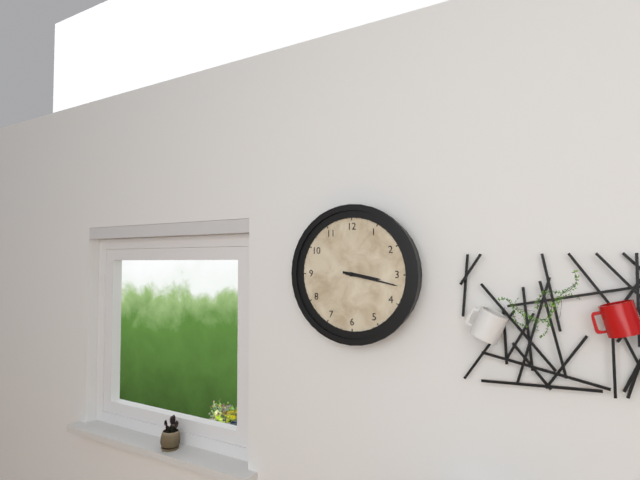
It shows 3 h 17 min
